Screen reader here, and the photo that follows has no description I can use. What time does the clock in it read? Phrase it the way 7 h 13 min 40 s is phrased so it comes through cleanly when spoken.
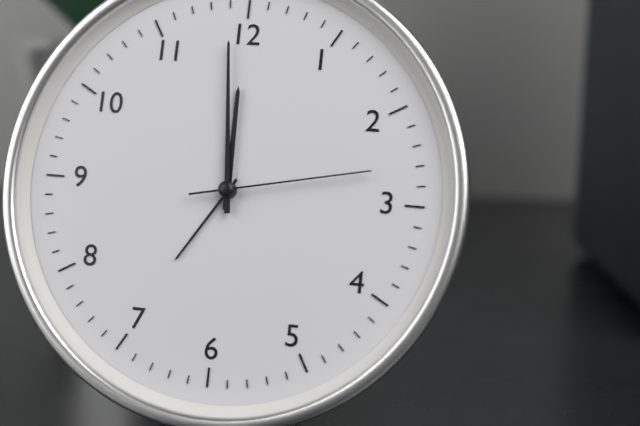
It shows 11 h 59 min 13 s
